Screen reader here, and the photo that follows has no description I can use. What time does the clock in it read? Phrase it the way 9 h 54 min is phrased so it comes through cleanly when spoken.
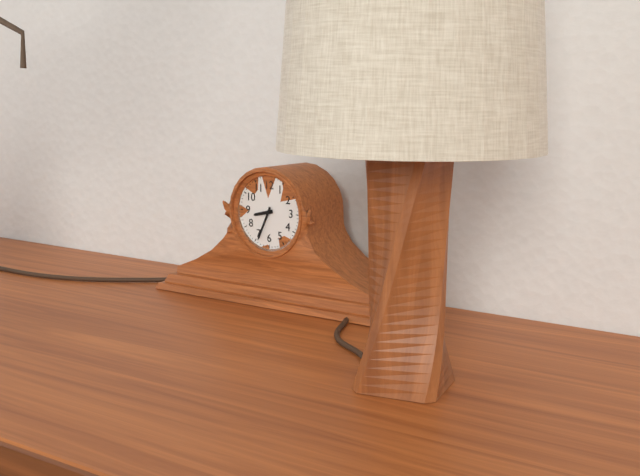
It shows 8 h 34 min
